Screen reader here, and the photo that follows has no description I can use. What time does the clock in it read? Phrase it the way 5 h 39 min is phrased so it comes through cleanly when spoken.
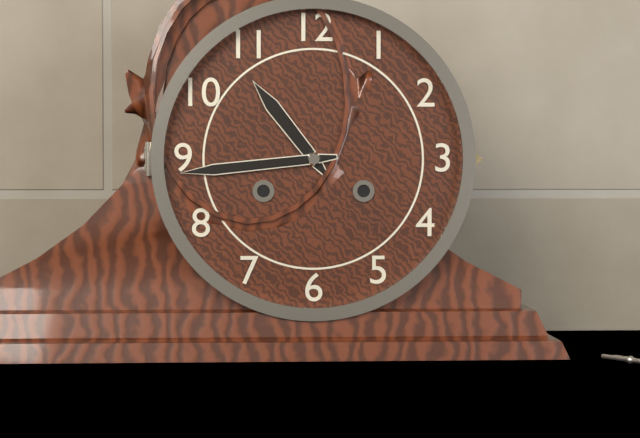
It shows 10 h 44 min
